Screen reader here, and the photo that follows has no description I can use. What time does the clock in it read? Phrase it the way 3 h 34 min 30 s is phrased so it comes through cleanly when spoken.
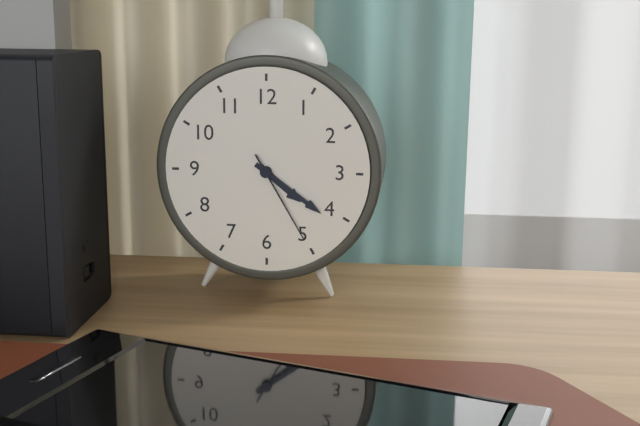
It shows 4 h 21 min 25 s
